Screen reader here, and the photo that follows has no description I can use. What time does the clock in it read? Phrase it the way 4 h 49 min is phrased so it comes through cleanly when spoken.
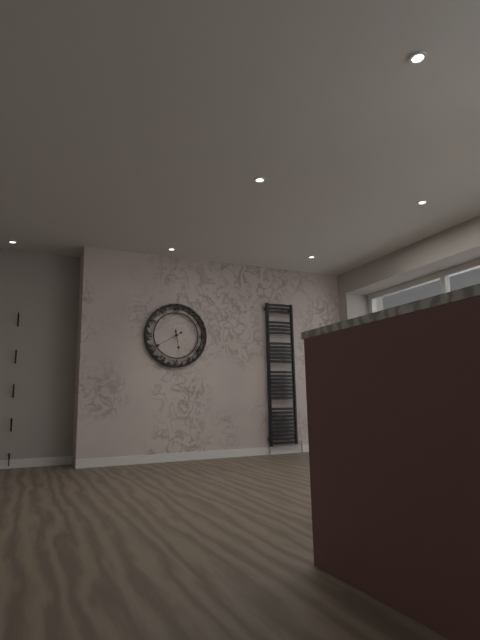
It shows 5 h 40 min
